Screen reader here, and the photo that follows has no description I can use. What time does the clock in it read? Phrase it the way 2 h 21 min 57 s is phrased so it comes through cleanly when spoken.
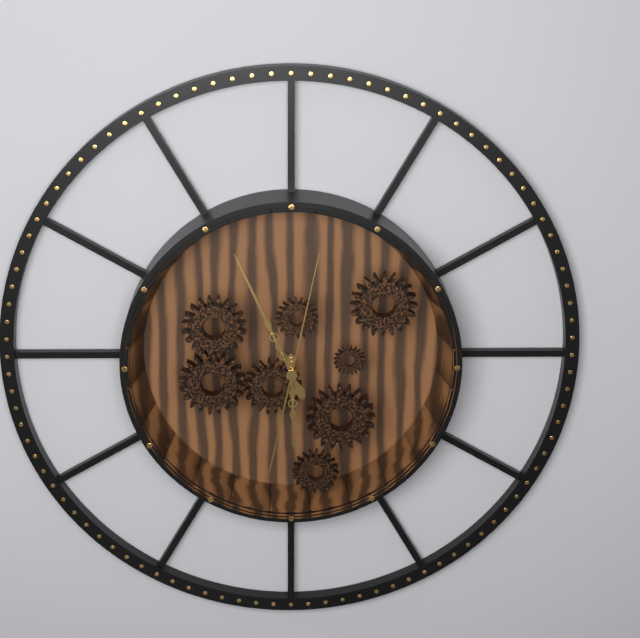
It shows 5 h 56 min 02 s
